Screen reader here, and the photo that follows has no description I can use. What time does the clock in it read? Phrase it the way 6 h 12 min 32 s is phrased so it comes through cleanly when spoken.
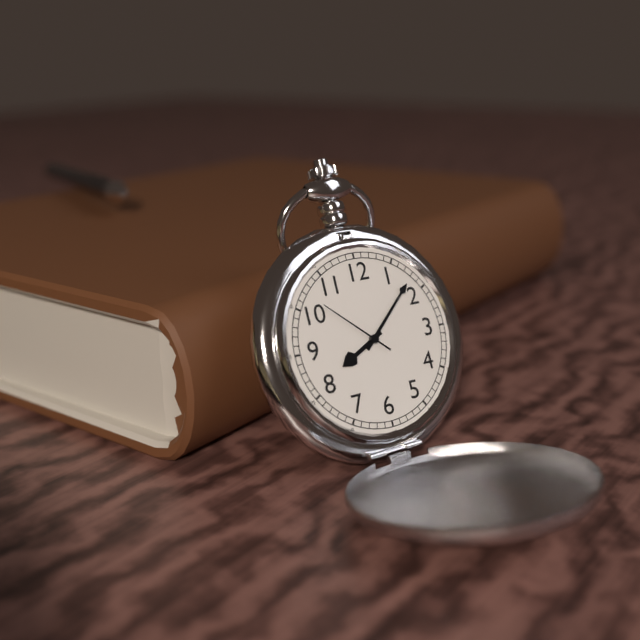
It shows 8 h 08 min 52 s
